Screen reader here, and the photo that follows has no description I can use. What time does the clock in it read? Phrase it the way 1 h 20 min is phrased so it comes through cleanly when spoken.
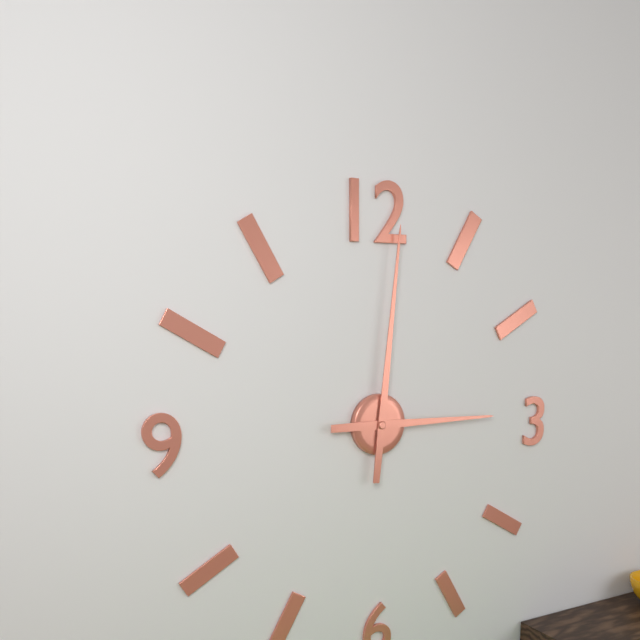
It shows 3 h 01 min
